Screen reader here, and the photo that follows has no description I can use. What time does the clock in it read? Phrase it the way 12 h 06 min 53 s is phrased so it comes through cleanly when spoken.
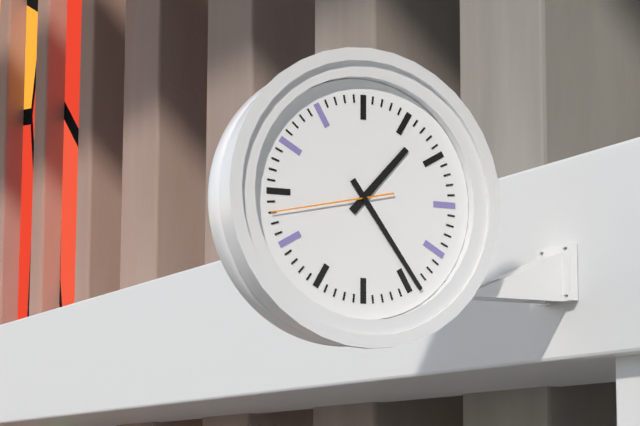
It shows 1 h 24 min 43 s
